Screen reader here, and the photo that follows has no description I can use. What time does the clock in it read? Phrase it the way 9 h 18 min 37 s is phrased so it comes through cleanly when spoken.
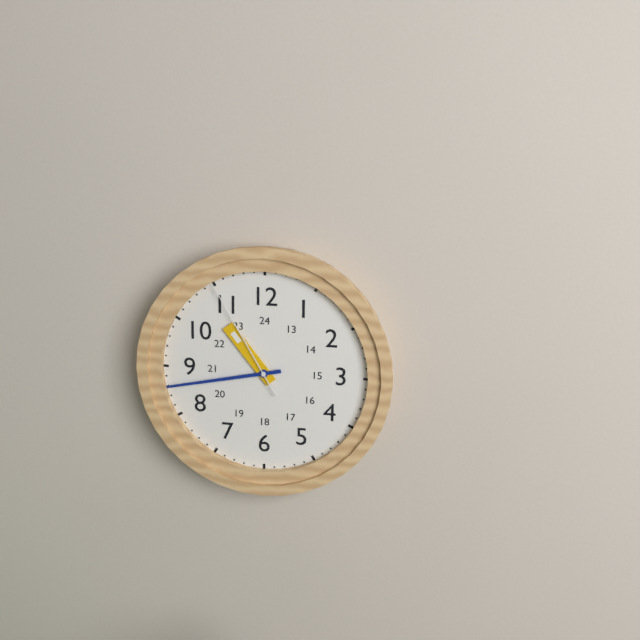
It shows 10 h 43 min 55 s
